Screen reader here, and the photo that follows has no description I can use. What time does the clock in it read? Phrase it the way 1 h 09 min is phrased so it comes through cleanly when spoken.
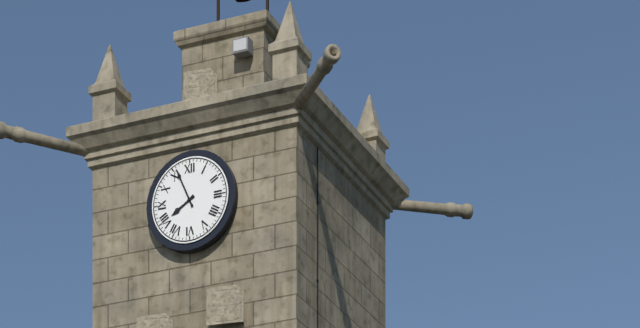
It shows 7 h 56 min
